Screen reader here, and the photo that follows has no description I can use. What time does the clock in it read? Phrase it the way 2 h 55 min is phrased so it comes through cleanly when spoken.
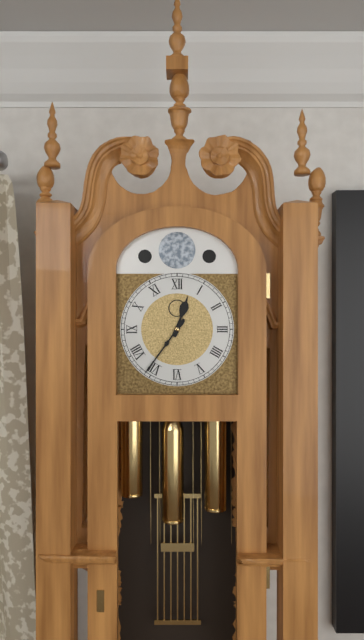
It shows 12 h 36 min
